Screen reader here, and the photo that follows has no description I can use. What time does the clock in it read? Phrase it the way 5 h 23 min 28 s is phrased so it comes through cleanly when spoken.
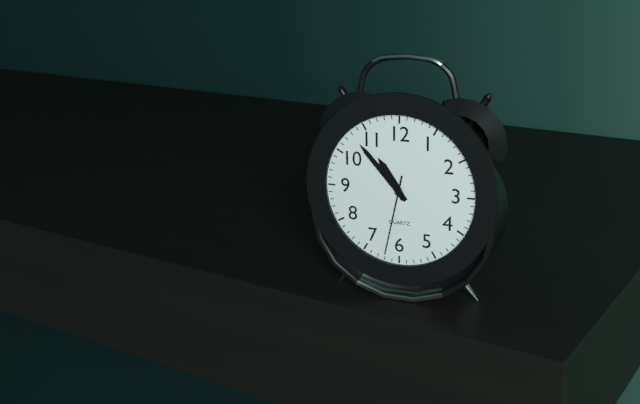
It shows 10 h 53 min 32 s
